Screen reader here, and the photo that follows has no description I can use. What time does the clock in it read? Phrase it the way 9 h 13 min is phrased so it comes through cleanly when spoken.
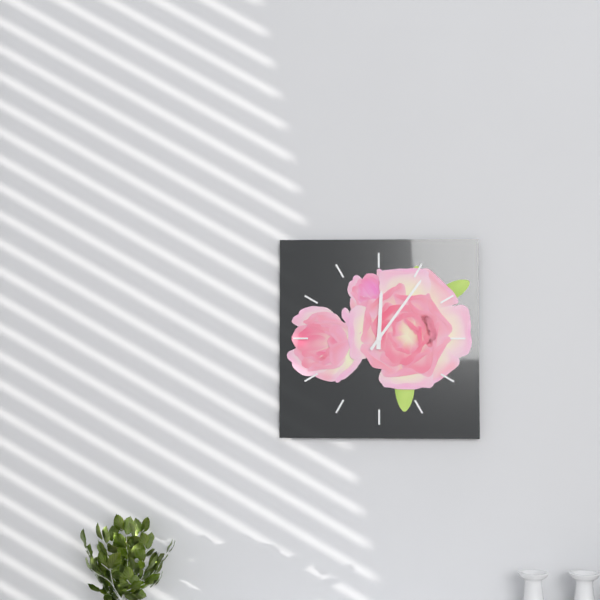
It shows 12 h 06 min
